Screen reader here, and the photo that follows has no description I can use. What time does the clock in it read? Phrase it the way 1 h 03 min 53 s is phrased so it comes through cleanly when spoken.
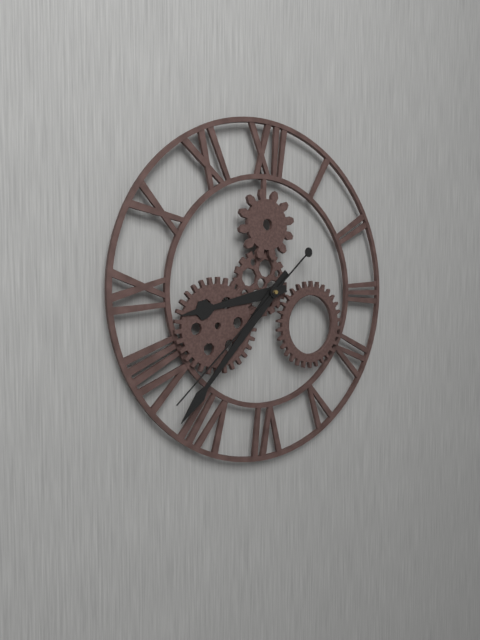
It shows 8 h 37 min 38 s
